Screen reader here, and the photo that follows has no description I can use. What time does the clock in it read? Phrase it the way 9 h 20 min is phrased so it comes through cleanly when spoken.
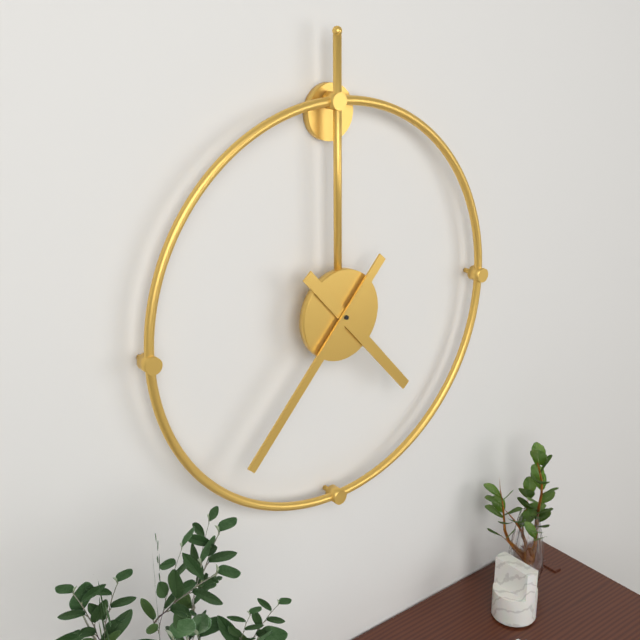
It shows 4 h 37 min
